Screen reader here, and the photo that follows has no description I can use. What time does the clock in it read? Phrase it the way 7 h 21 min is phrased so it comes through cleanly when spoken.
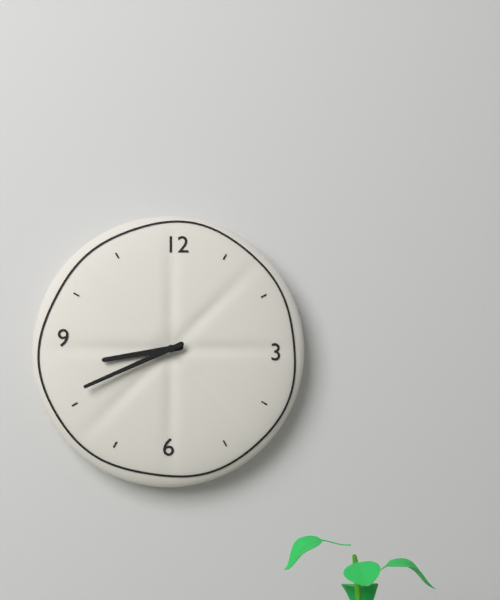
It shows 8 h 41 min
